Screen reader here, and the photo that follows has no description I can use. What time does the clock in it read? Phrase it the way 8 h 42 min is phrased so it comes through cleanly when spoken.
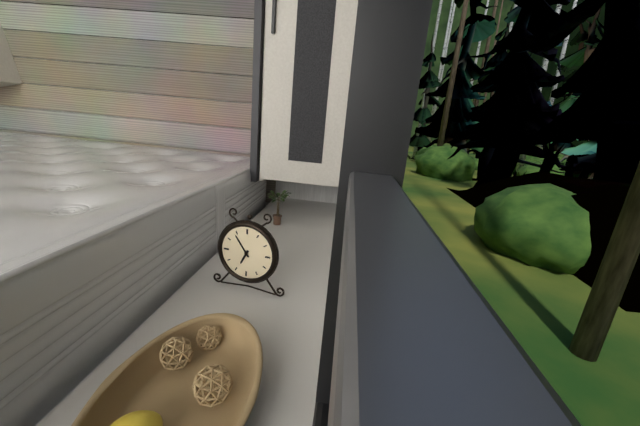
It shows 6 h 54 min
